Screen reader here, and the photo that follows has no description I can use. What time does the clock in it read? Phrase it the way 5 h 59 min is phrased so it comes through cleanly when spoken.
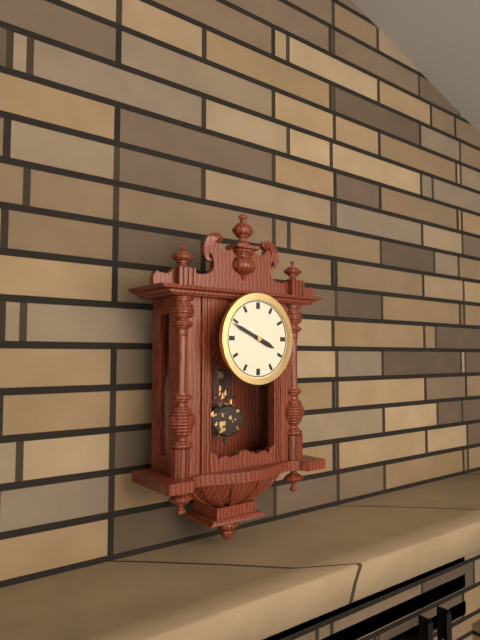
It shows 3 h 49 min
